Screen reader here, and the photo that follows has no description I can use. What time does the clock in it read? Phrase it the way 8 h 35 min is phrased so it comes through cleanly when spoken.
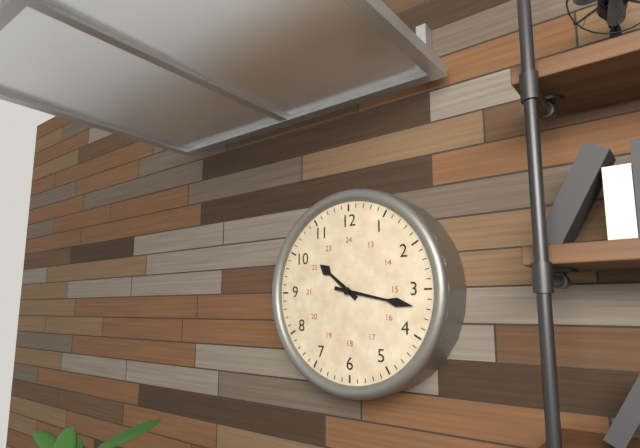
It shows 10 h 17 min
